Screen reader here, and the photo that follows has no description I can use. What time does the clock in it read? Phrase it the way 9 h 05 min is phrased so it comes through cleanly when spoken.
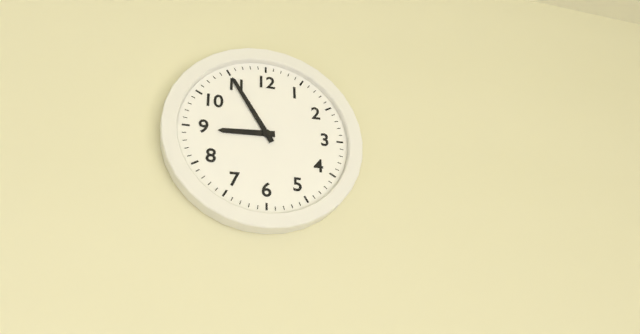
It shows 8 h 55 min
